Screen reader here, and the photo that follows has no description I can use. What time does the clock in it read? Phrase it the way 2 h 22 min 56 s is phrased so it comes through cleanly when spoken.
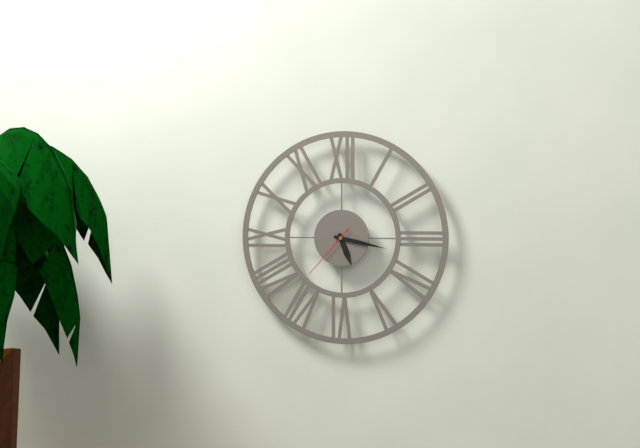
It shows 5 h 17 min 37 s
